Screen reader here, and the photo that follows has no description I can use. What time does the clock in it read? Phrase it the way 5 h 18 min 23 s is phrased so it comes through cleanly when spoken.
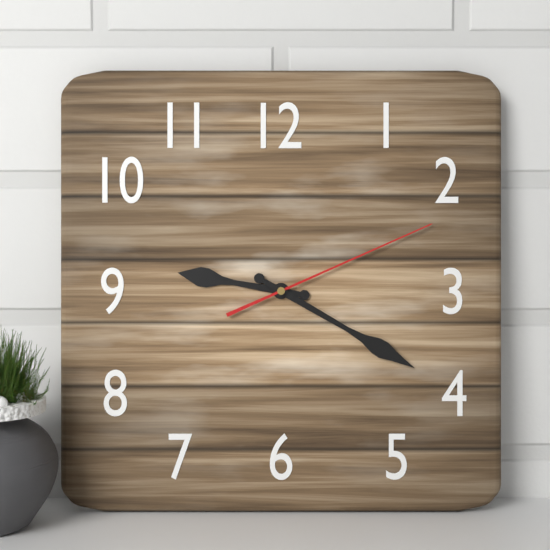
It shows 9 h 20 min 11 s
